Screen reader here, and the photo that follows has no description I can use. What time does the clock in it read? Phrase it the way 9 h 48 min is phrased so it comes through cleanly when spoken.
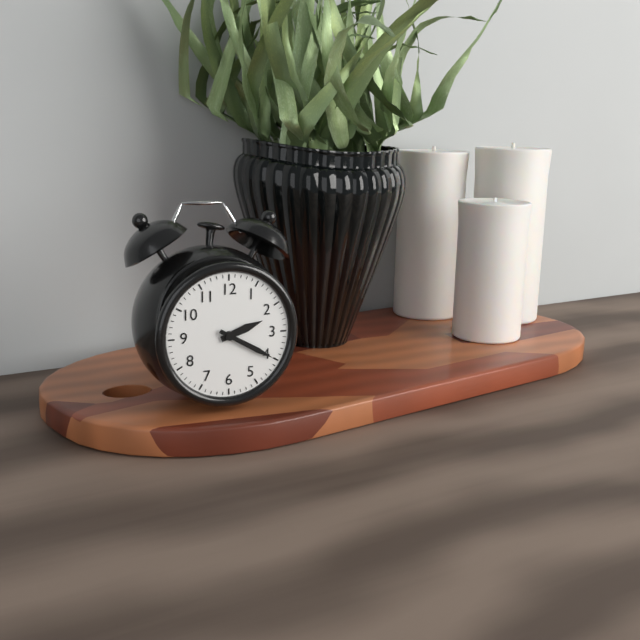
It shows 2 h 20 min
